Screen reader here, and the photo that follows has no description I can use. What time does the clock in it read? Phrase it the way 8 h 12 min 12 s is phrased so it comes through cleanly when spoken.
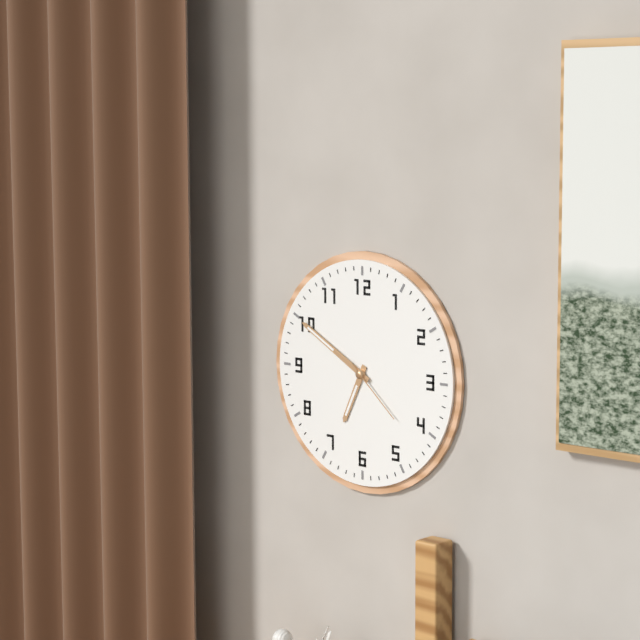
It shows 6 h 50 min 22 s
